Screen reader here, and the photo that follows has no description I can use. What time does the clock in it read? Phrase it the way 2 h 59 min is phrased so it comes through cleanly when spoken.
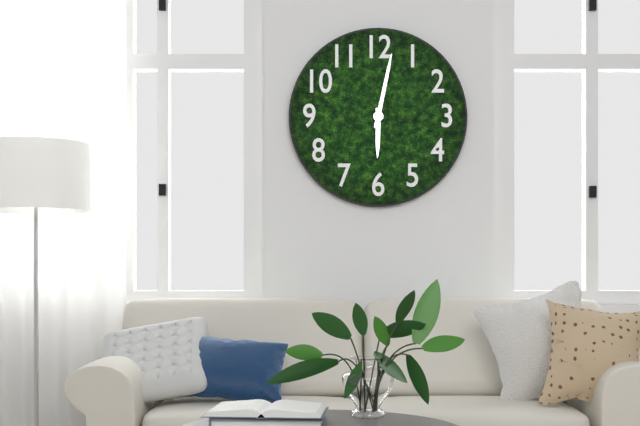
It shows 6 h 02 min
